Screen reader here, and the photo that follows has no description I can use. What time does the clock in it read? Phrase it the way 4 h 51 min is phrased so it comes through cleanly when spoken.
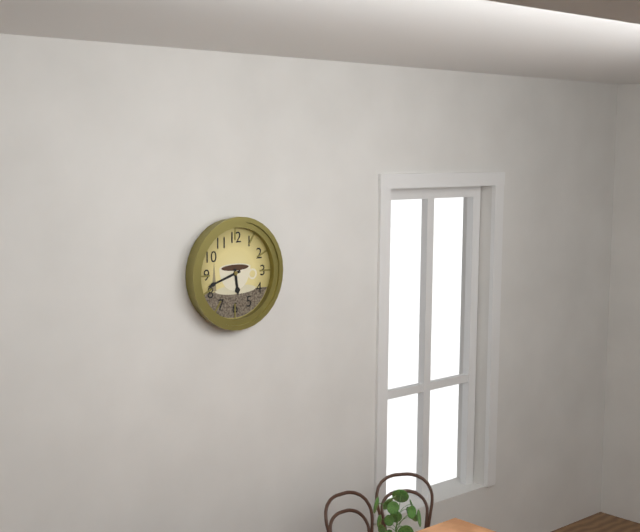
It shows 5 h 42 min
